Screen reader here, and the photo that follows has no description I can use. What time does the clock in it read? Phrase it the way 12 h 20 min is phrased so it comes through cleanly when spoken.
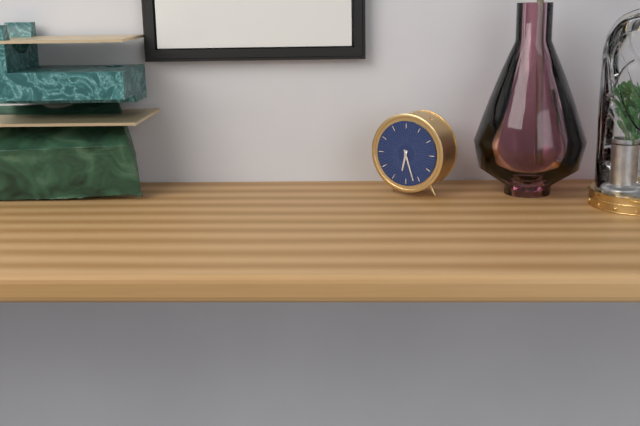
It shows 6 h 27 min
